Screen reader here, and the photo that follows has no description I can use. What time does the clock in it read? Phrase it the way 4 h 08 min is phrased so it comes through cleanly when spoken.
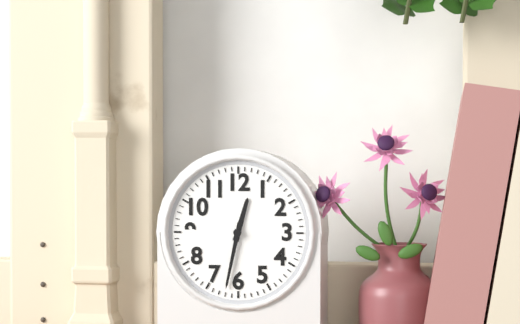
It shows 12 h 32 min
